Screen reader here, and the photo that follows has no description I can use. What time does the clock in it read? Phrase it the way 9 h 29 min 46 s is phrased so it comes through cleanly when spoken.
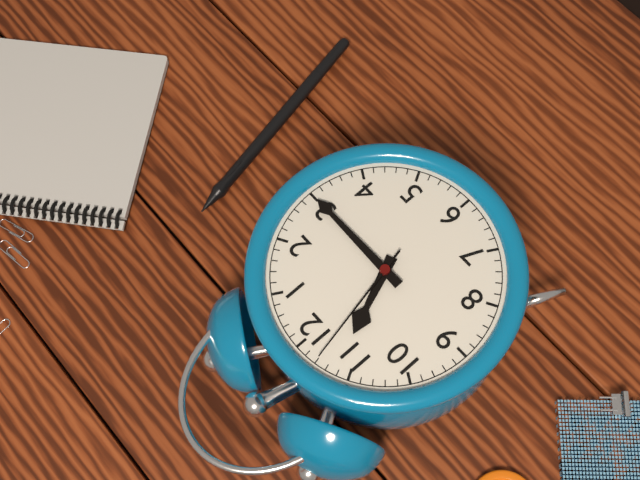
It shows 11 h 15 min 58 s
